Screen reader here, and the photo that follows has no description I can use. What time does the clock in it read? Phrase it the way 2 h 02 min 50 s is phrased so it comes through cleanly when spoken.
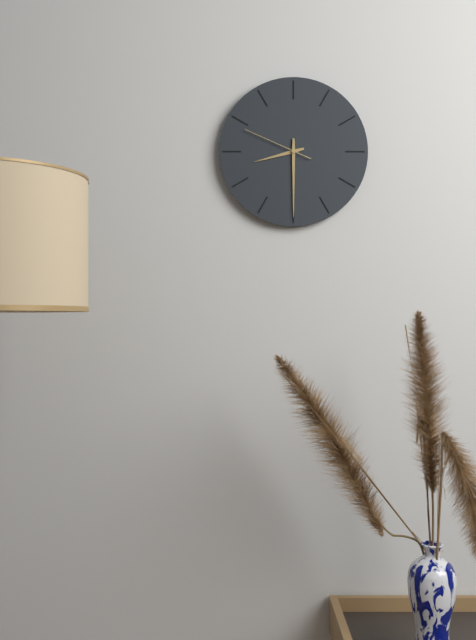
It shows 8 h 30 min 49 s
